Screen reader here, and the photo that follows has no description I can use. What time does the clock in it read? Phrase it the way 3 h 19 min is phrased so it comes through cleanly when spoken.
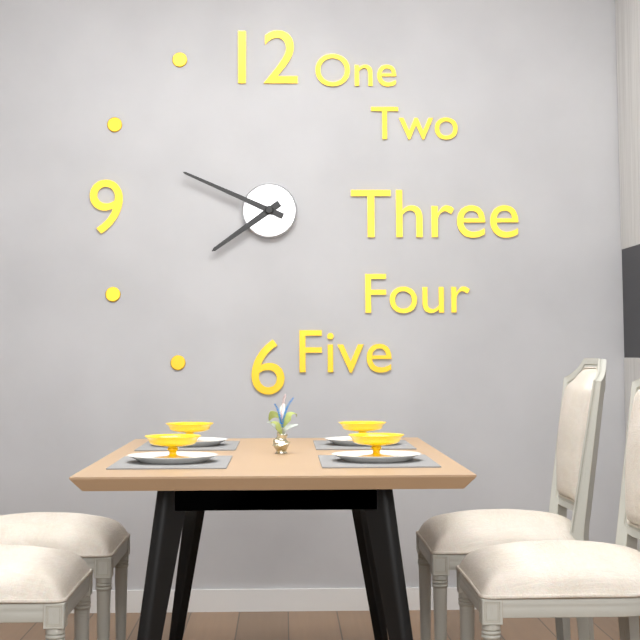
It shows 7 h 49 min
